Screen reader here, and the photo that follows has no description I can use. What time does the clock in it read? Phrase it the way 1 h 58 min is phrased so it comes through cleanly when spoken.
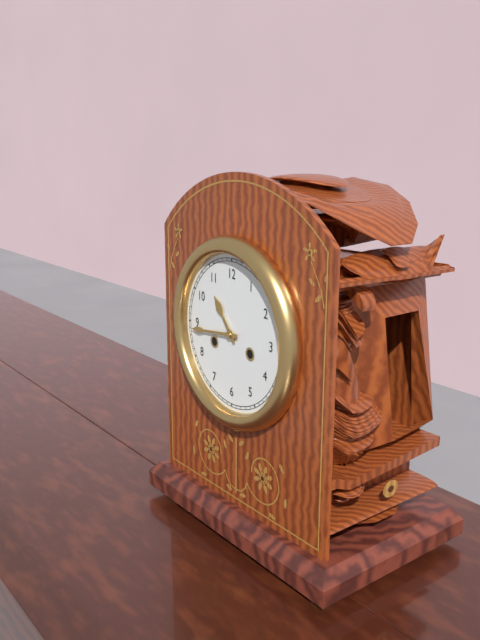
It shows 10 h 44 min
